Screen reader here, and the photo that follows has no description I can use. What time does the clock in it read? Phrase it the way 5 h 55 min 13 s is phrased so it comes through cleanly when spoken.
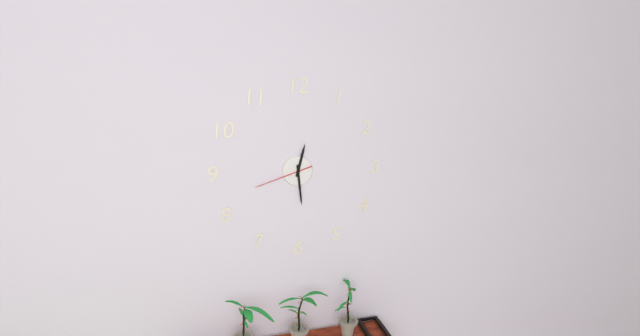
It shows 12 h 29 min 42 s
